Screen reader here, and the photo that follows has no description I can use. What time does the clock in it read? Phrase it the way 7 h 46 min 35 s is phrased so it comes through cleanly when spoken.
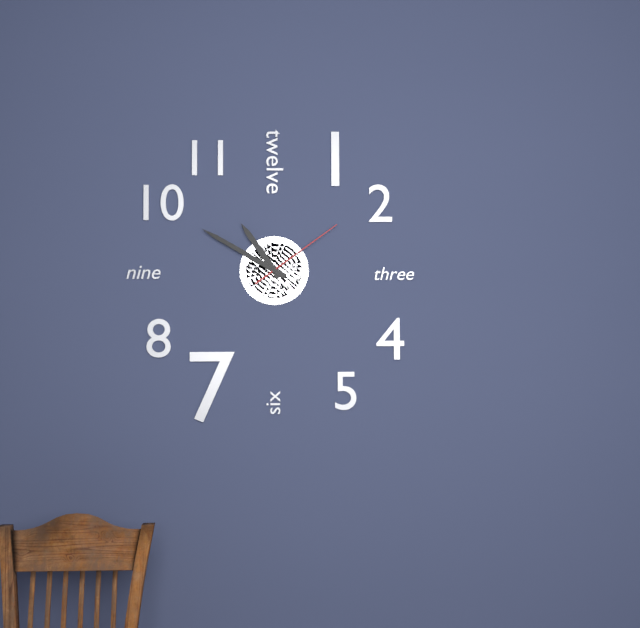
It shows 10 h 50 min 09 s
